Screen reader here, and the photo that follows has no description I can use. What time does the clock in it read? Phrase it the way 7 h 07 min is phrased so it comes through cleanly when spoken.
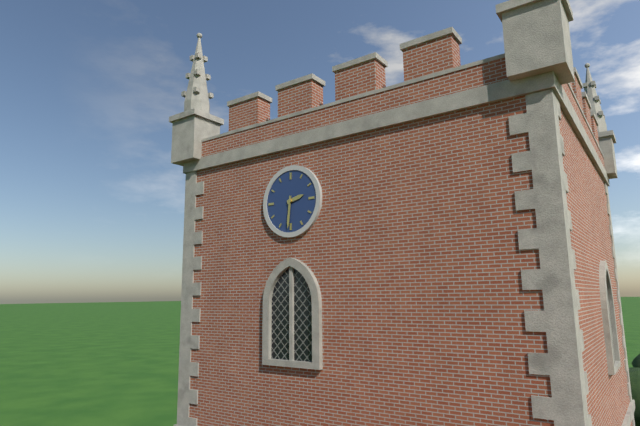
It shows 2 h 31 min
